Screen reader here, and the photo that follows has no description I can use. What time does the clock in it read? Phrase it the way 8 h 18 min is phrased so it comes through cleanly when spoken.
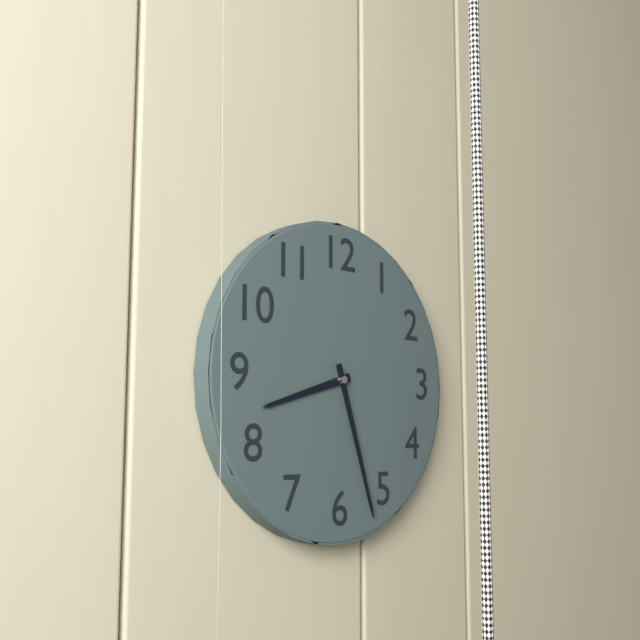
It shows 8 h 27 min
